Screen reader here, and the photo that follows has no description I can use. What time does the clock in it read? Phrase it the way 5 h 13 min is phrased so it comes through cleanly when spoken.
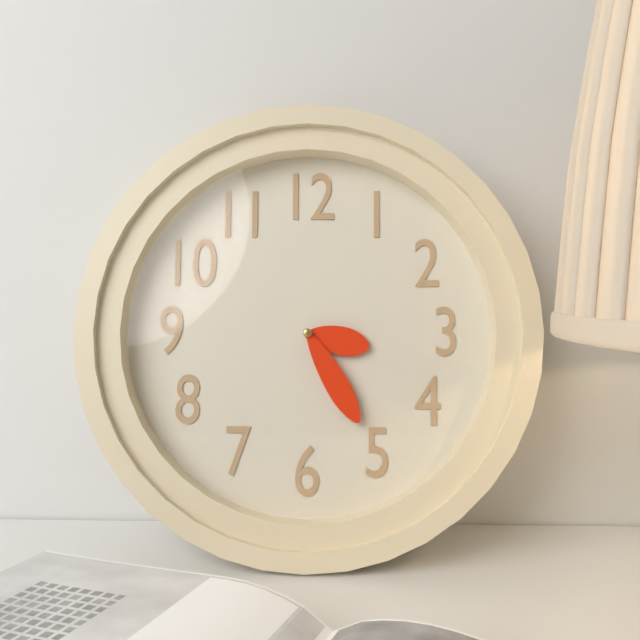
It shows 3 h 25 min
